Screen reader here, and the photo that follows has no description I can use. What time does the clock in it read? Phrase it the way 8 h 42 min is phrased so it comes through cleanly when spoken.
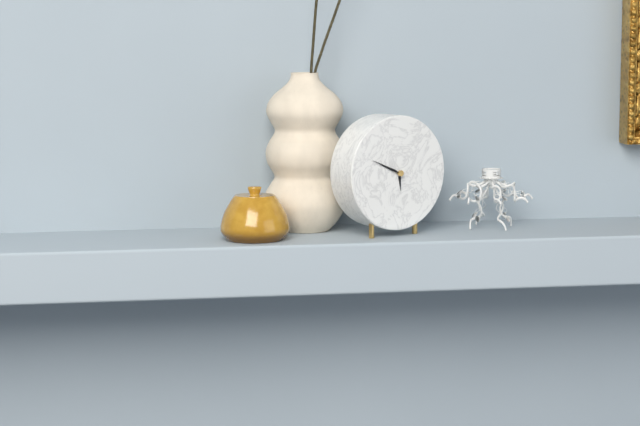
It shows 5 h 49 min
